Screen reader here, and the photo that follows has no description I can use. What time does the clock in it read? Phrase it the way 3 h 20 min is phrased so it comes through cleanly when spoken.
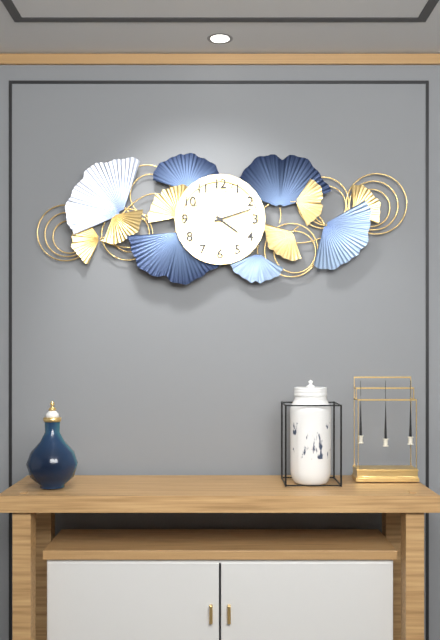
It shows 4 h 12 min
